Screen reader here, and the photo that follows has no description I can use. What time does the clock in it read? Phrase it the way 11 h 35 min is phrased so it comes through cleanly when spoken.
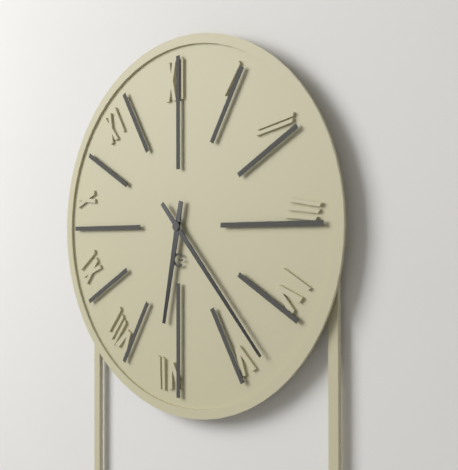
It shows 6 h 23 min
